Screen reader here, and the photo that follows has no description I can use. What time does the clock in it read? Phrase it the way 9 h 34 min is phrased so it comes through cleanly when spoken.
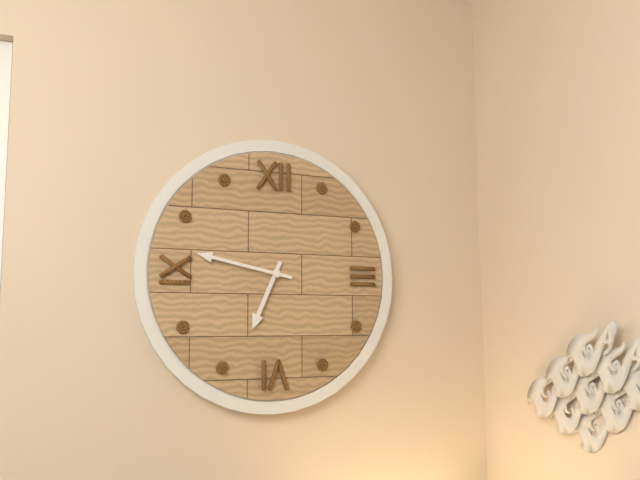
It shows 6 h 47 min
